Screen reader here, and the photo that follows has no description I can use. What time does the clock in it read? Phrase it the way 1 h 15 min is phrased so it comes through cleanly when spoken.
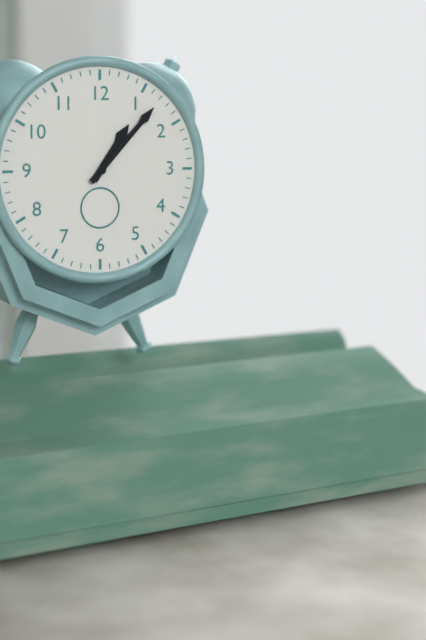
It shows 1 h 07 min
